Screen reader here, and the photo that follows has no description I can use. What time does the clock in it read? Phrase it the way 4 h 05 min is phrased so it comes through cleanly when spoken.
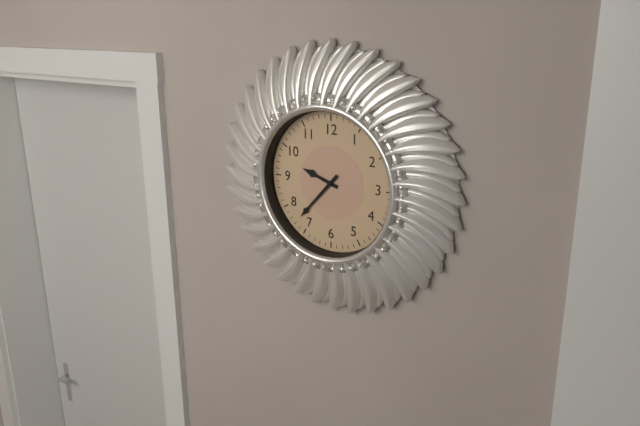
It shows 9 h 37 min
